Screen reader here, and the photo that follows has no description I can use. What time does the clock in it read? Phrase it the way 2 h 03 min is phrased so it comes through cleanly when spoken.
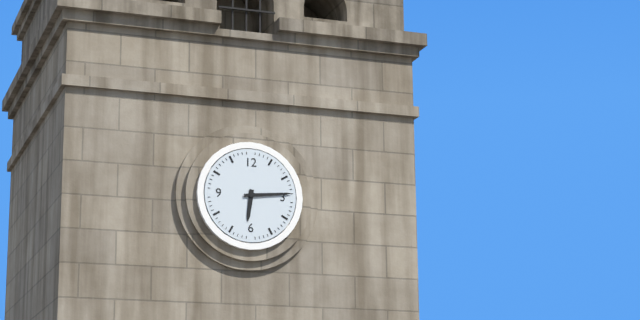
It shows 6 h 14 min
